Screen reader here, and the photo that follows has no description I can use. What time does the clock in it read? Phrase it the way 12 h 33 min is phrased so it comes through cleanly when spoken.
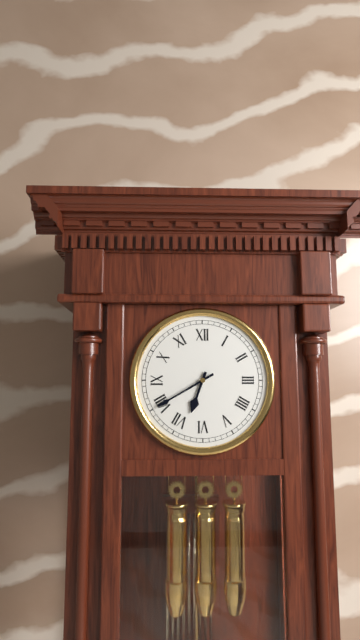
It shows 6 h 40 min
